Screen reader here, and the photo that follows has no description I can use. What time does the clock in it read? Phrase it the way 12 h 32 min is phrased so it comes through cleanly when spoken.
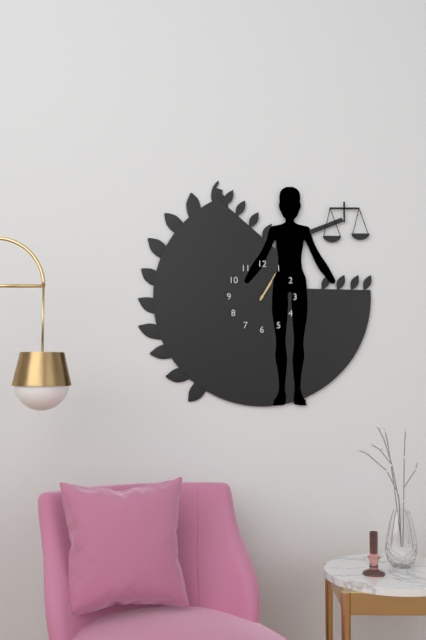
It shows 1 h 05 min
